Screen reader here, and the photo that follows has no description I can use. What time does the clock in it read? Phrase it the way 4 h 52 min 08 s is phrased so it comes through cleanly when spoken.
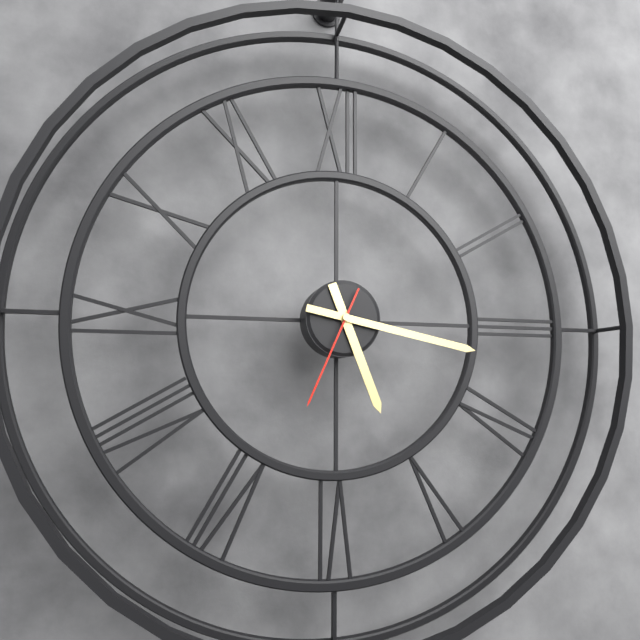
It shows 5 h 17 min 34 s
